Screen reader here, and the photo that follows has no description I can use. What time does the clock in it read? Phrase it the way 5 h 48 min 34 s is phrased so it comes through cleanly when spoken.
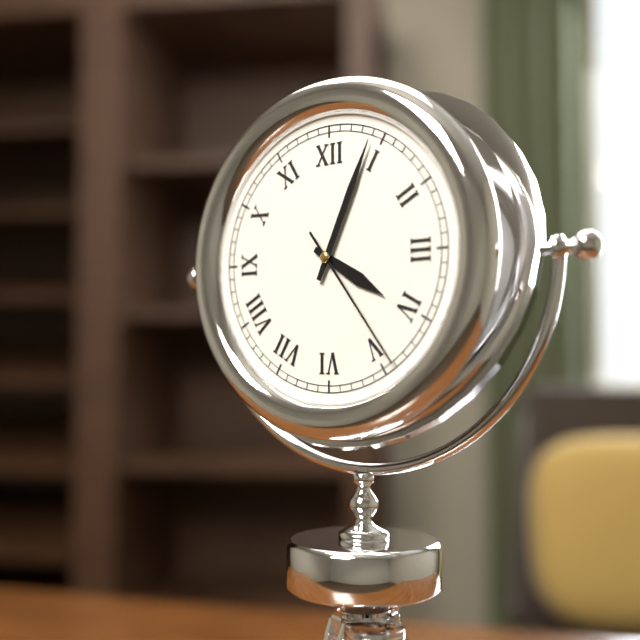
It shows 4 h 04 min 24 s
